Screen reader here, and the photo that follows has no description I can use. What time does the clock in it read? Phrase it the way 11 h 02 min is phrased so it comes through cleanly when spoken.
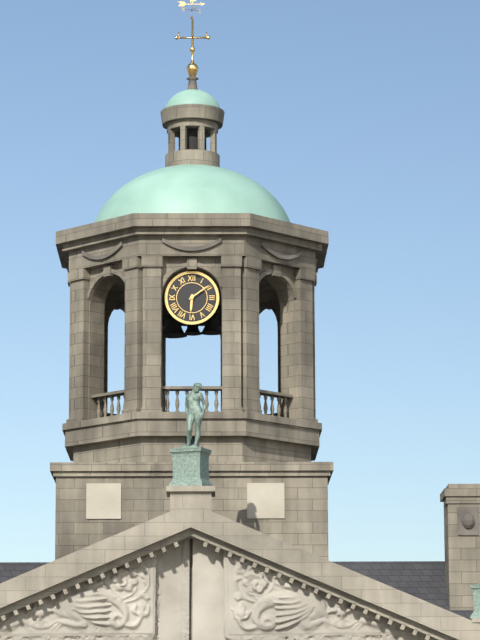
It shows 6 h 09 min
